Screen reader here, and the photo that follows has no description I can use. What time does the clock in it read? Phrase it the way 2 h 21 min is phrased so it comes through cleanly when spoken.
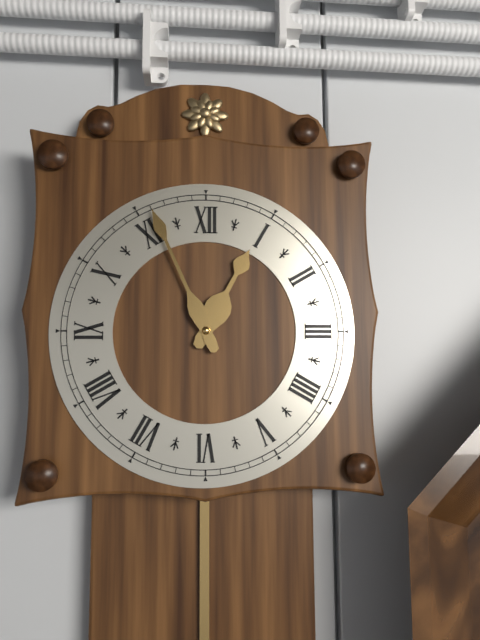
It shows 12 h 56 min
